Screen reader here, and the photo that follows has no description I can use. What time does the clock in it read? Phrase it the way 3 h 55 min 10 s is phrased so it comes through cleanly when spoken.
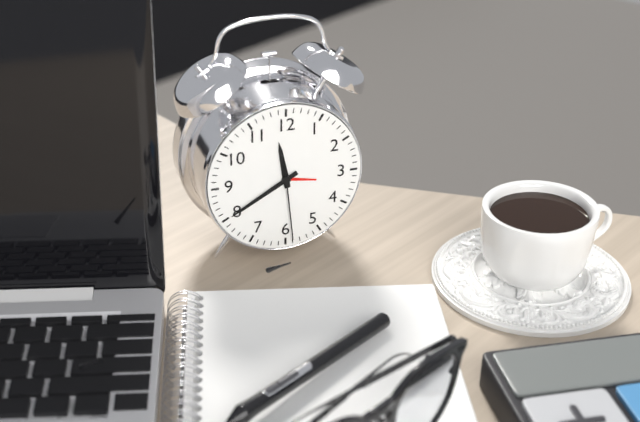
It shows 11 h 40 min 29 s
